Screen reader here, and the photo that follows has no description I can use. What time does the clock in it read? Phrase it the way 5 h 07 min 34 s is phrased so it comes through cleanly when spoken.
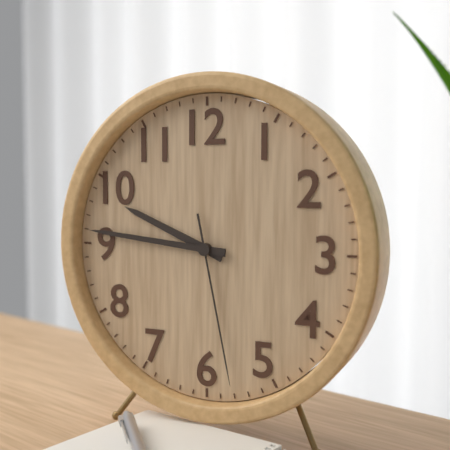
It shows 9 h 46 min 28 s
